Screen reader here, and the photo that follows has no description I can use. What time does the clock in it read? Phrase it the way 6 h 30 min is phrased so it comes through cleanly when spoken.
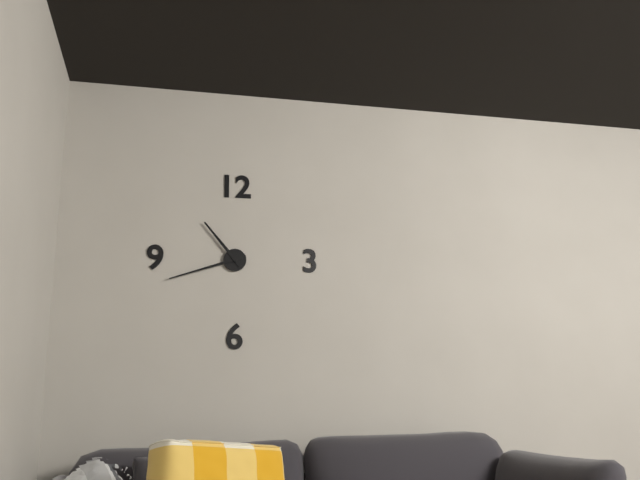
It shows 10 h 42 min
